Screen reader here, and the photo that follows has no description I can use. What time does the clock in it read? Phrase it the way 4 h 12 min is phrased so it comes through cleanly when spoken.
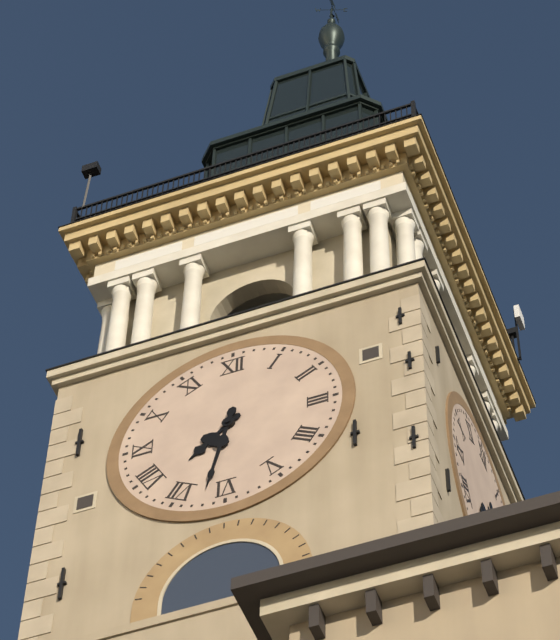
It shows 7 h 32 min
